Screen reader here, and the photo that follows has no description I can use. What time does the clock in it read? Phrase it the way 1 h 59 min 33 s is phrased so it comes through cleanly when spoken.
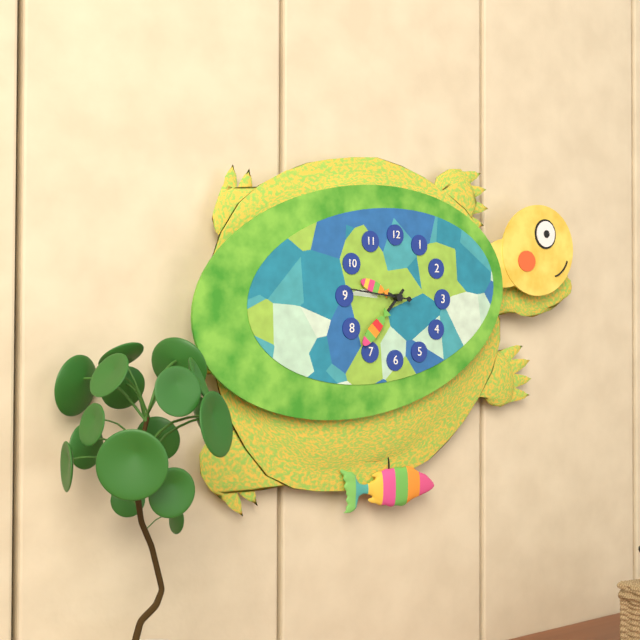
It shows 9 h 37 min 46 s
